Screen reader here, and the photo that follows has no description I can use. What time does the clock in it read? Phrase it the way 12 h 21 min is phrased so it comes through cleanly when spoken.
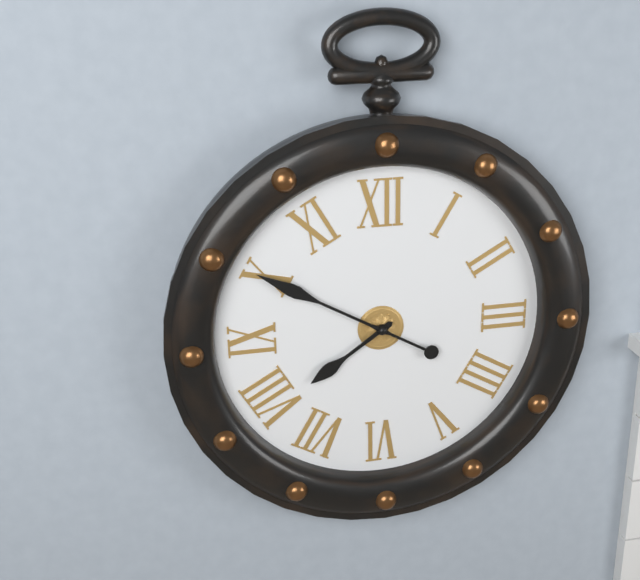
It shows 7 h 50 min
